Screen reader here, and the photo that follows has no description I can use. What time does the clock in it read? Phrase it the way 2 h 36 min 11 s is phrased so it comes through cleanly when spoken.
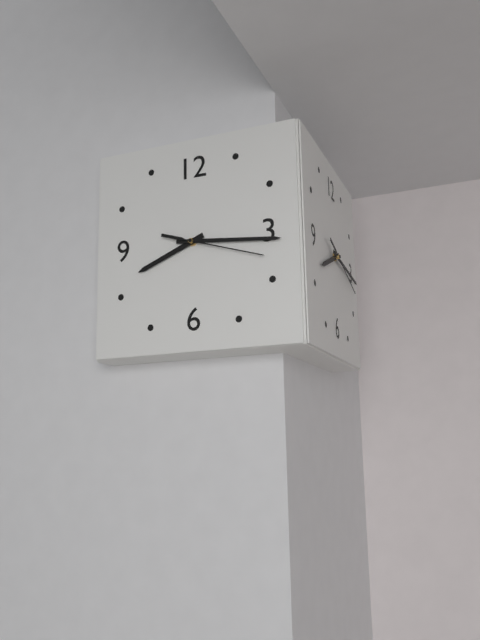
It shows 8 h 16 min 18 s
